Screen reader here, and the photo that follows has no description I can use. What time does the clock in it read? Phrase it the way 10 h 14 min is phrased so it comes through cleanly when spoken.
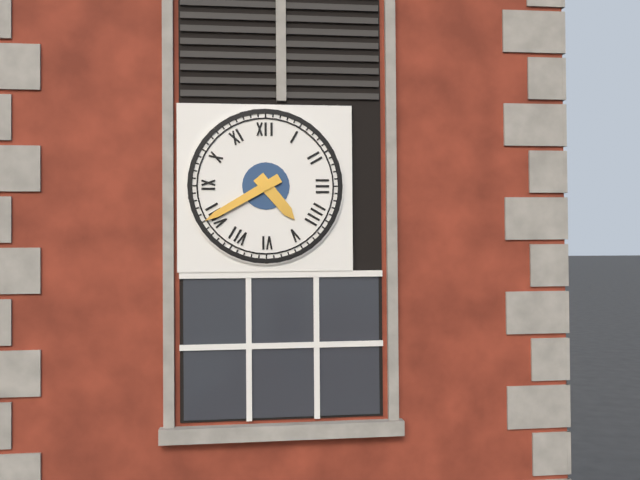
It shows 4 h 40 min
